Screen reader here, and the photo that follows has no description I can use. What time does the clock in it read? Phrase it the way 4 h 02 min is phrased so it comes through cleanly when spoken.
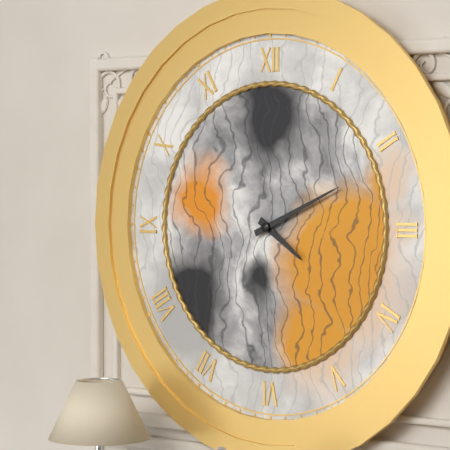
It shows 4 h 11 min
